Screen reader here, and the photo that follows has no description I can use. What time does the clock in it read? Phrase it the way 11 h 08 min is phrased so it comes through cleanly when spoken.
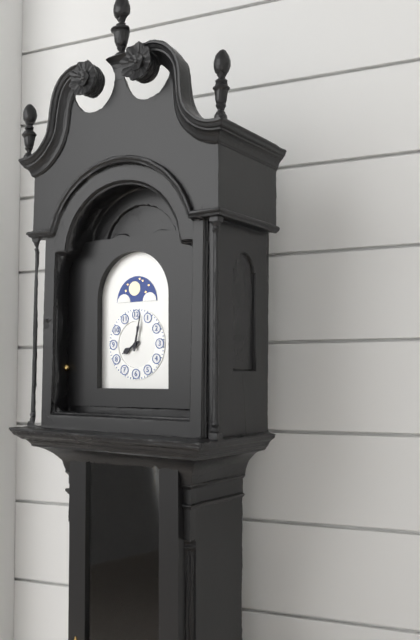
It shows 8 h 02 min
